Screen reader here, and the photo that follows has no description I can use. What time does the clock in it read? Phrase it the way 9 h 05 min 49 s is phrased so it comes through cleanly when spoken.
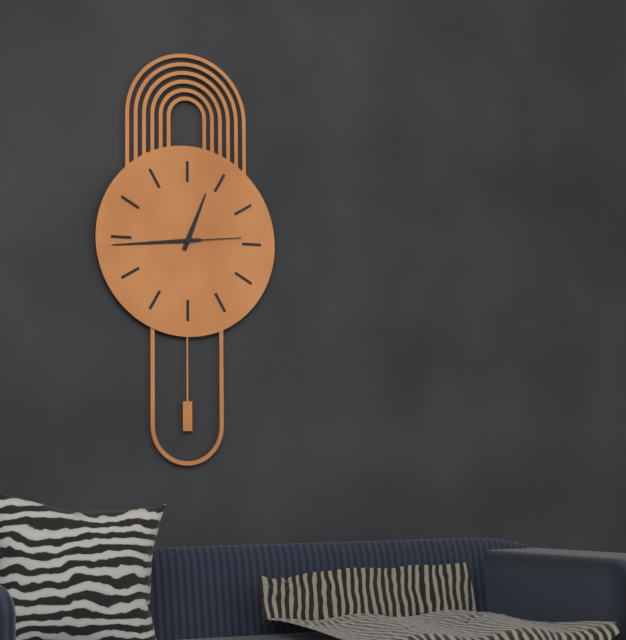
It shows 12 h 44 min 14 s
